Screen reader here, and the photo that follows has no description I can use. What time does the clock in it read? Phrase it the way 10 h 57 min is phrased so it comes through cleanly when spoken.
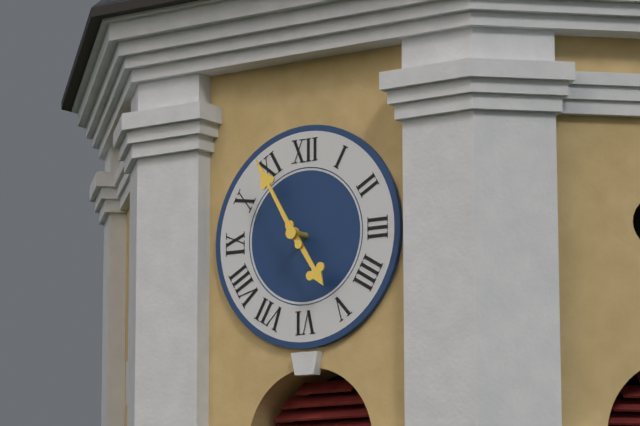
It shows 4 h 55 min
